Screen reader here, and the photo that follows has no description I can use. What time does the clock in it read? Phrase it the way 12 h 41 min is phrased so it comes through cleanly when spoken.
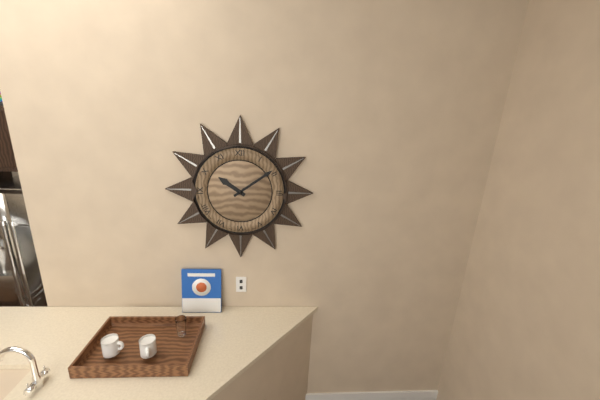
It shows 10 h 09 min
